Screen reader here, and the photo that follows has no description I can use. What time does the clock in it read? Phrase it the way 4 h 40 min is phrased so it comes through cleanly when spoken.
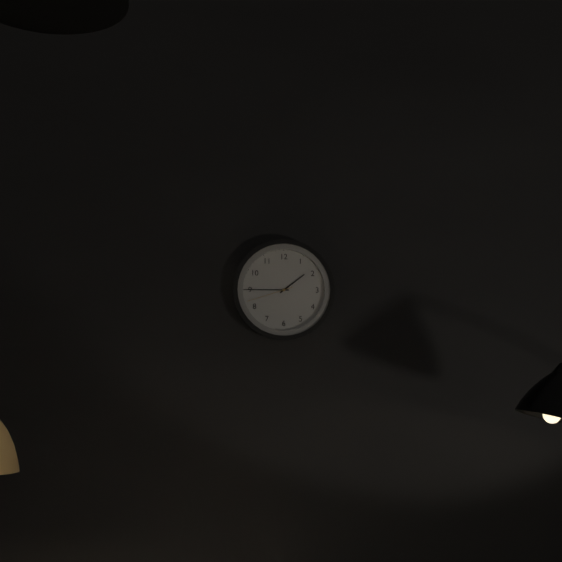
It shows 1 h 45 min
